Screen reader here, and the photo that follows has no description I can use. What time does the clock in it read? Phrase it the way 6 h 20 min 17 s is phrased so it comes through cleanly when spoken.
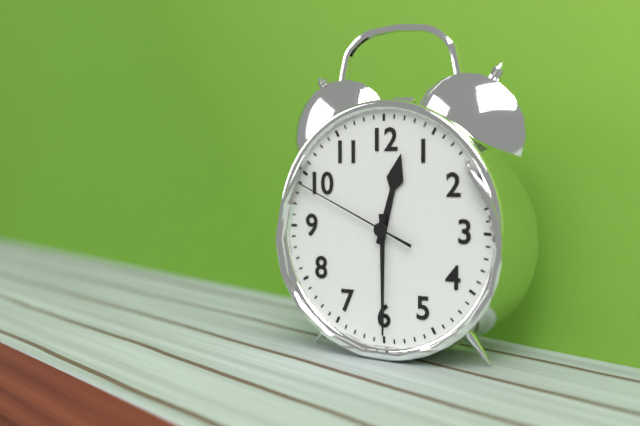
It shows 12 h 30 min 49 s
